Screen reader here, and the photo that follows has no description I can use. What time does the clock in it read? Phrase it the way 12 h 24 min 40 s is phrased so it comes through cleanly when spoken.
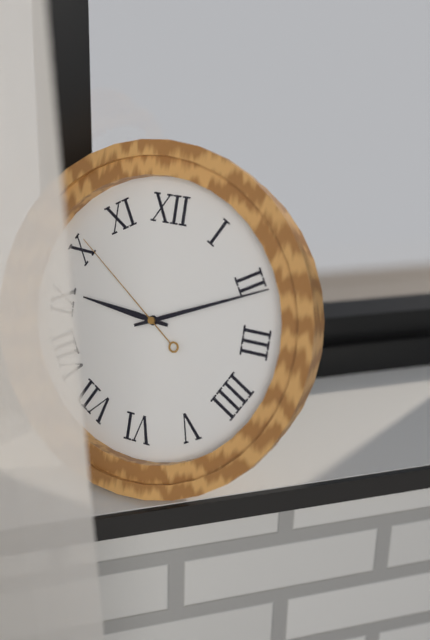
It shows 9 h 11 min 51 s
